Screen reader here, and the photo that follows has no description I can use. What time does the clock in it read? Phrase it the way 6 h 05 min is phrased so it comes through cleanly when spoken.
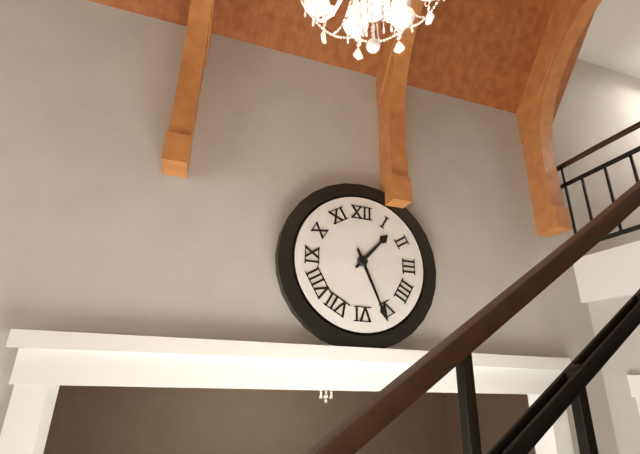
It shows 1 h 26 min
